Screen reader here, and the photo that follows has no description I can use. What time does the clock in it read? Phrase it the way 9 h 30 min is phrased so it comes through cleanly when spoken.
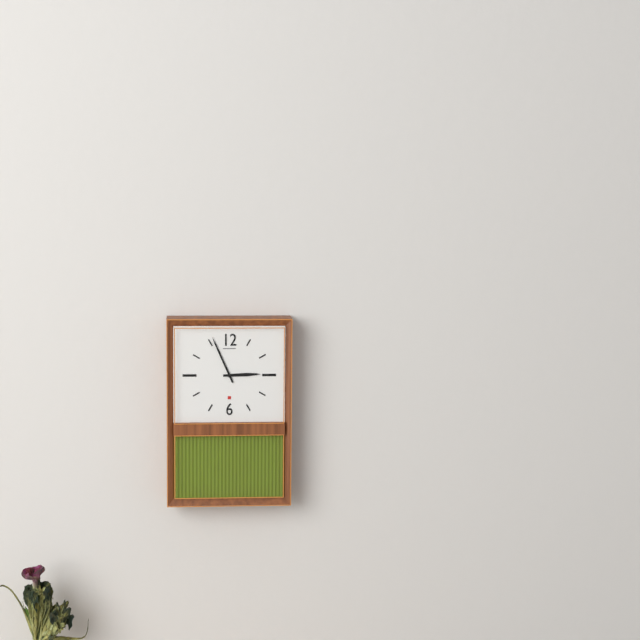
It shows 2 h 56 min
